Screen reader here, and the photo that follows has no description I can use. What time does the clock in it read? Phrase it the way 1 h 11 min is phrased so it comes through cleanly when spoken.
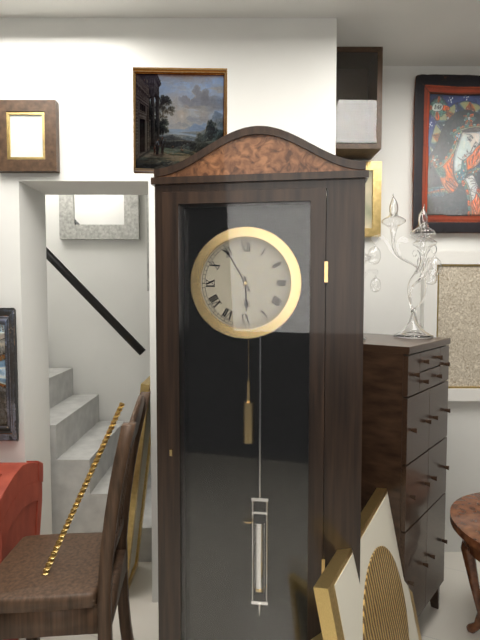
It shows 5 h 55 min
